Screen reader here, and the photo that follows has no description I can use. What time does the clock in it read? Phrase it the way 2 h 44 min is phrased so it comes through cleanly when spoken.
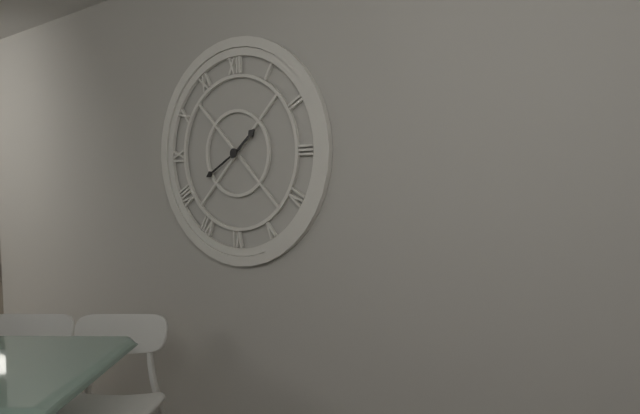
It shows 1 h 40 min
